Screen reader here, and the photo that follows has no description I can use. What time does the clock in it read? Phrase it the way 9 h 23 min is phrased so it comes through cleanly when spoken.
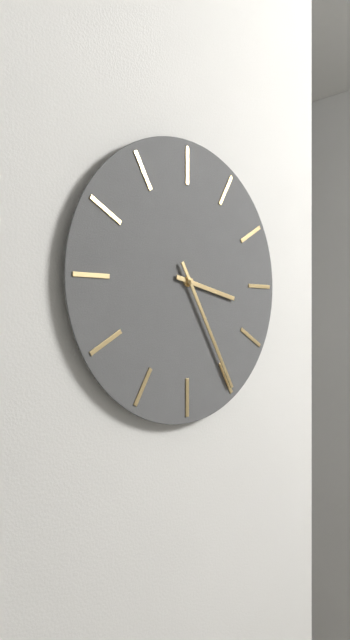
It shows 3 h 25 min
